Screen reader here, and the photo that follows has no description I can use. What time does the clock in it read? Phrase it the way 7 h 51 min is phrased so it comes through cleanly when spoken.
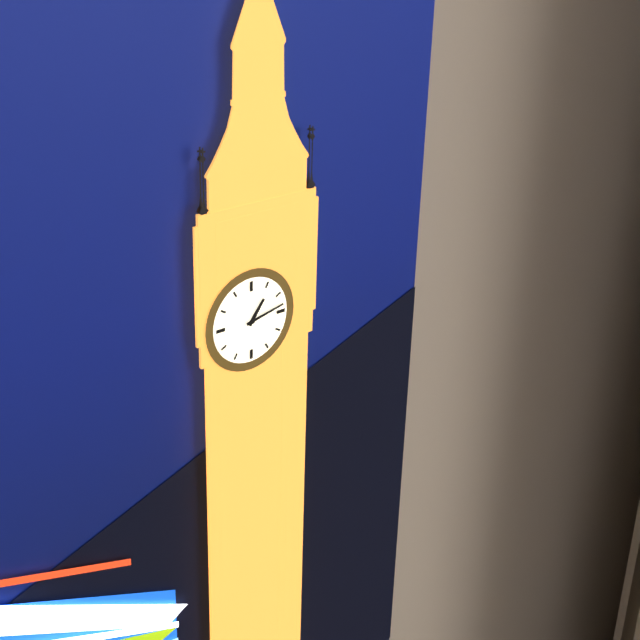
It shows 1 h 13 min
